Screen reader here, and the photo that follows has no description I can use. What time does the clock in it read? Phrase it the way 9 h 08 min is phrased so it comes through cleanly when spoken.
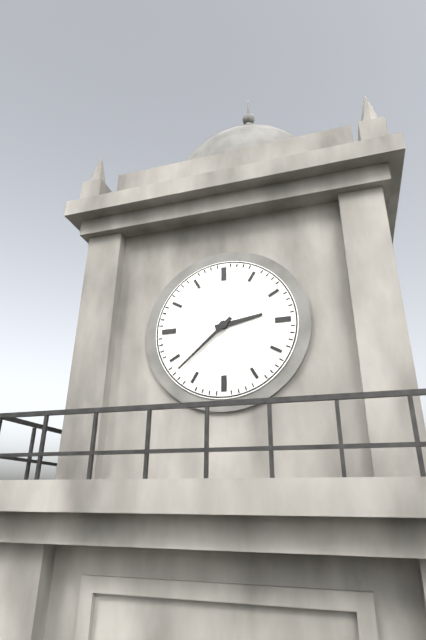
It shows 2 h 38 min
